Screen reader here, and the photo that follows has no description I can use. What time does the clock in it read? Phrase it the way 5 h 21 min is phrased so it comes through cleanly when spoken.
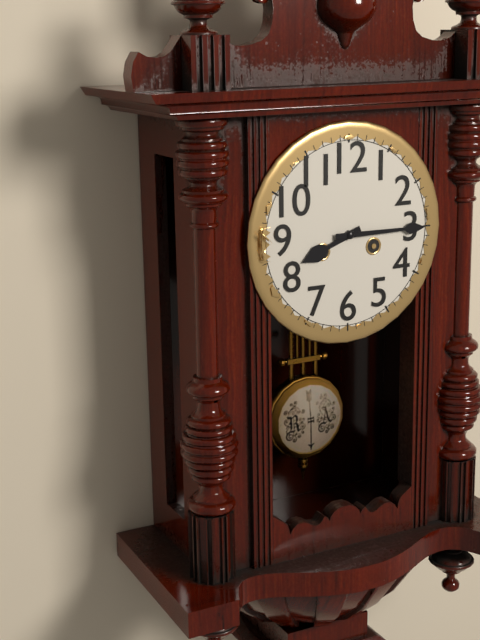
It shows 8 h 15 min
